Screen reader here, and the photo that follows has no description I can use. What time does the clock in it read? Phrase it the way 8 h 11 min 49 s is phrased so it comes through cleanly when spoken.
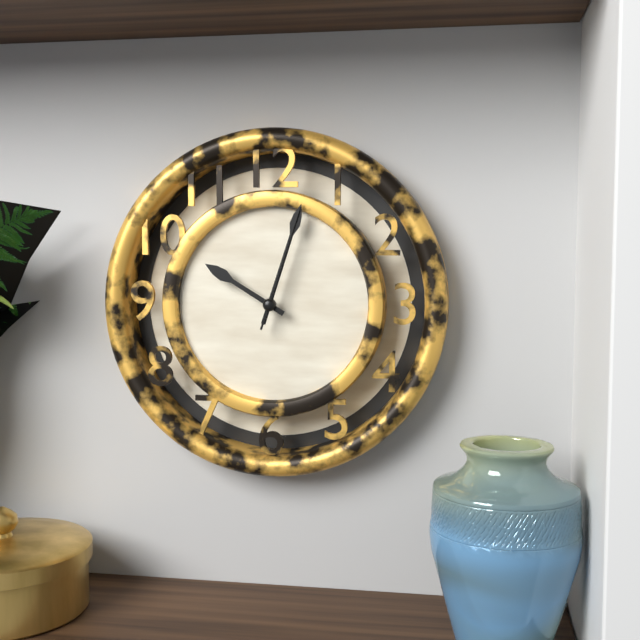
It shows 10 h 03 min 03 s
